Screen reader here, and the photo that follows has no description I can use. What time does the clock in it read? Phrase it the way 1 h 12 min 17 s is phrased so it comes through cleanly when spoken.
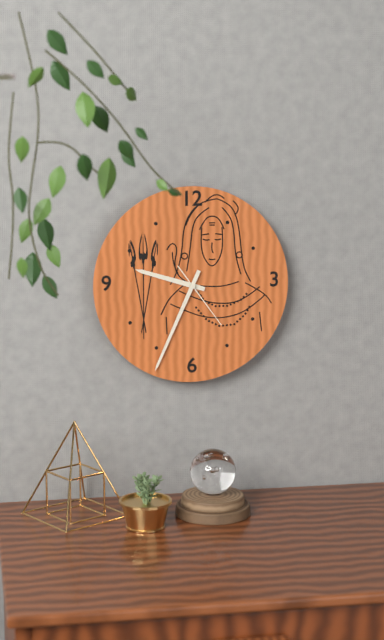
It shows 9 h 34 min 24 s
